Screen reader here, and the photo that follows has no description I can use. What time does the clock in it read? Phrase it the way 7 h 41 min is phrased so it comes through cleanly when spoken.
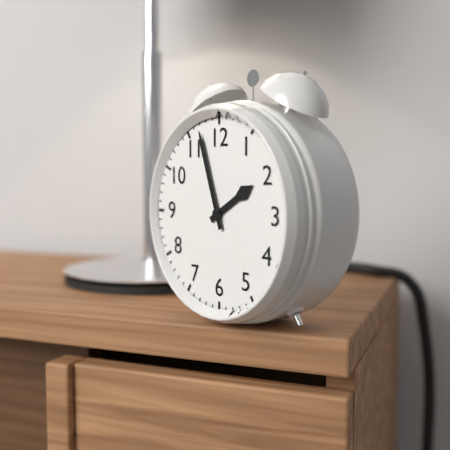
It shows 1 h 57 min
